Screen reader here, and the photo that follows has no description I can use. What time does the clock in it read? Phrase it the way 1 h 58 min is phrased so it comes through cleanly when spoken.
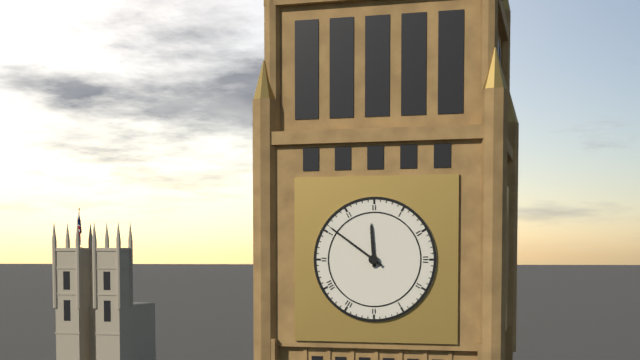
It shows 11 h 51 min
